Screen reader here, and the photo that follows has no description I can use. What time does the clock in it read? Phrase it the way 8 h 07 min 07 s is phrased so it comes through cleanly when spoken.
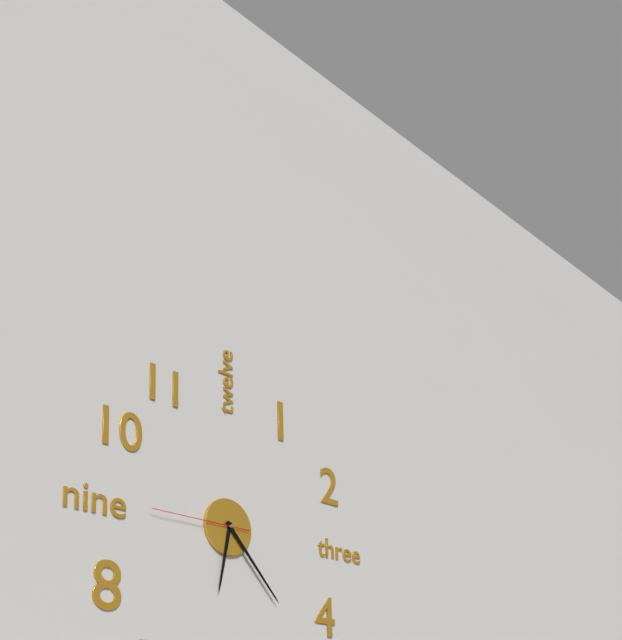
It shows 6 h 23 min 45 s
